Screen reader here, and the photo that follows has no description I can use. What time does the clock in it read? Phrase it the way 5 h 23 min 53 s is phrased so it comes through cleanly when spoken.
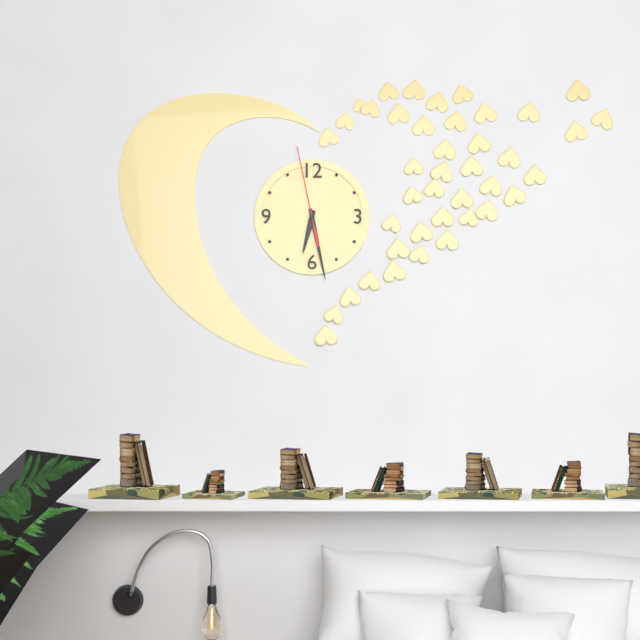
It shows 6 h 28 min 58 s
